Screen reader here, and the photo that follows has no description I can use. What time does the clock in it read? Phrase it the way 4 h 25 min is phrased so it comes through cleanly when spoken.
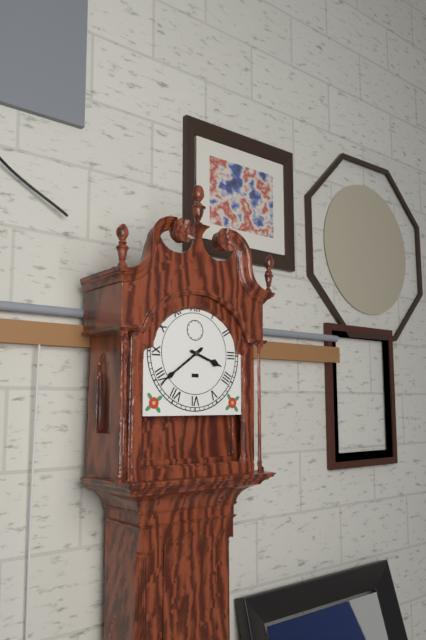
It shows 3 h 39 min
